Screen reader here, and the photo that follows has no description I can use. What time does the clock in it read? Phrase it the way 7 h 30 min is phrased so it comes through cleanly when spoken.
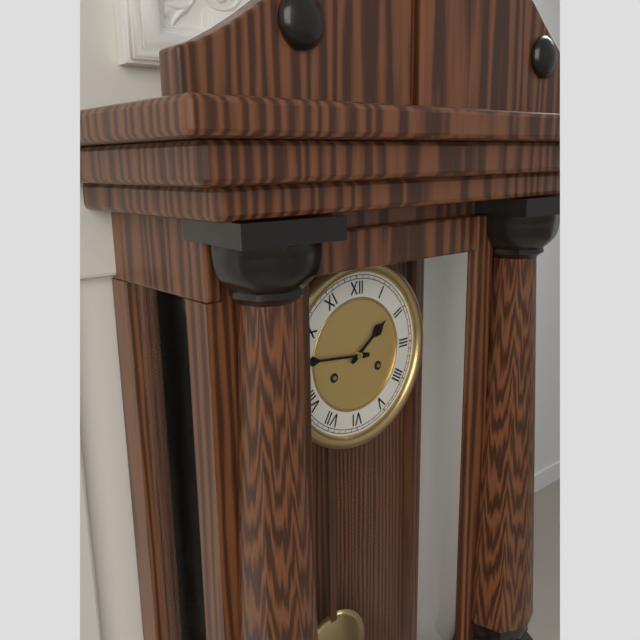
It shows 1 h 46 min
